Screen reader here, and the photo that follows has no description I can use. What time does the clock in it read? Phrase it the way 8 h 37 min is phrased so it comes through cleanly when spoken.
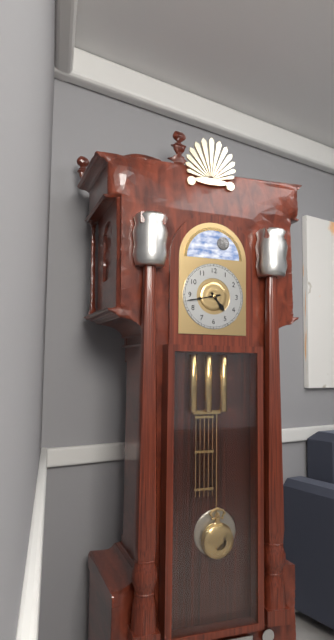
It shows 4 h 43 min
